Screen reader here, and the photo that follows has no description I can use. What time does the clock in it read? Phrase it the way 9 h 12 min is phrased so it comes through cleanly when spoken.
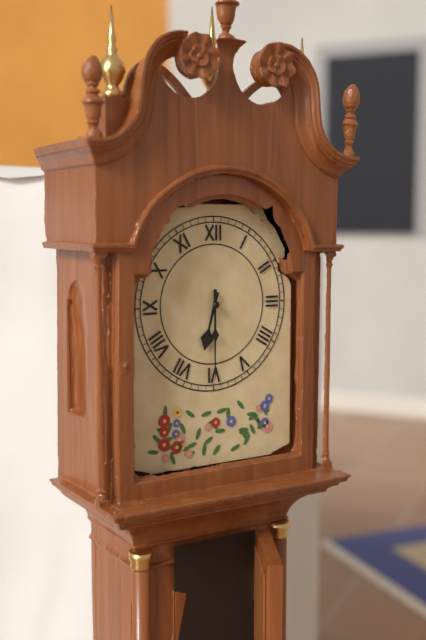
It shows 6 h 30 min
